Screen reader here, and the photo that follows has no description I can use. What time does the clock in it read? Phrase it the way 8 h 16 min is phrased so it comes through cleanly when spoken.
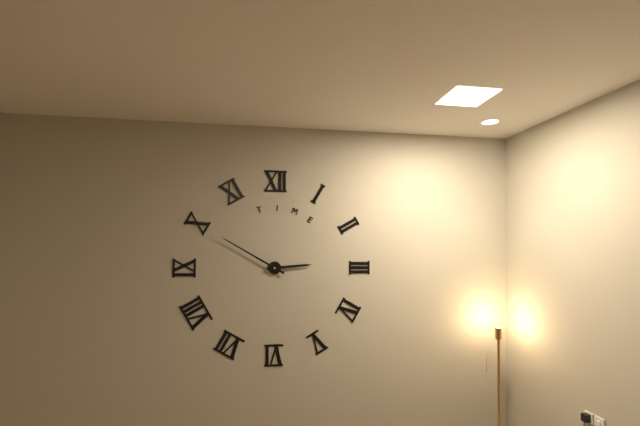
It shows 2 h 50 min
